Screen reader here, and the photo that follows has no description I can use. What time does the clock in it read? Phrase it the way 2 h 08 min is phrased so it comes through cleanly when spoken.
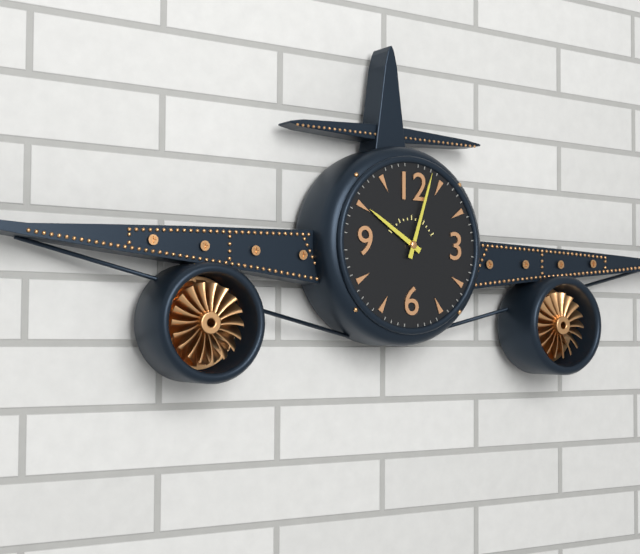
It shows 10 h 03 min
